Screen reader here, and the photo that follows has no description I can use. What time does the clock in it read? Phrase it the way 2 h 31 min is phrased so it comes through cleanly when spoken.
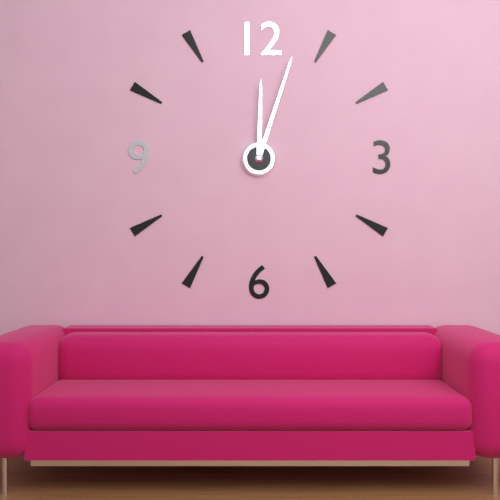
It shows 12 h 03 min
